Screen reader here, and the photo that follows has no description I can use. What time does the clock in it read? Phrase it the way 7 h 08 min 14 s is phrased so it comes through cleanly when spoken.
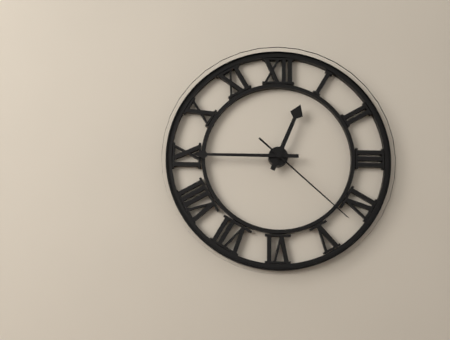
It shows 12 h 45 min 22 s
